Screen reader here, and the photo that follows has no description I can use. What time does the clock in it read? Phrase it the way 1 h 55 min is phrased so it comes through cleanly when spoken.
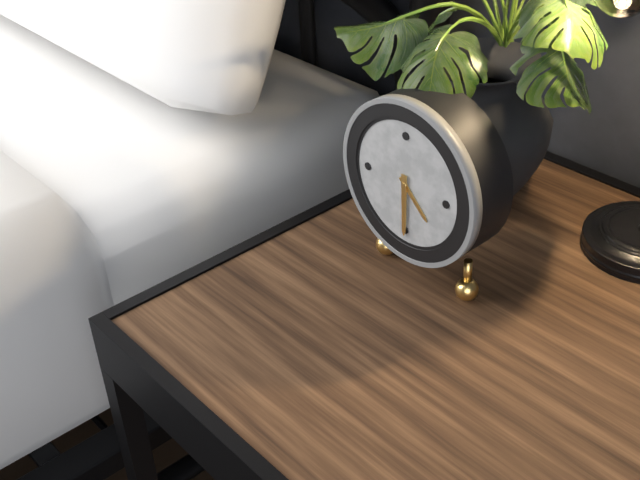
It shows 4 h 30 min
